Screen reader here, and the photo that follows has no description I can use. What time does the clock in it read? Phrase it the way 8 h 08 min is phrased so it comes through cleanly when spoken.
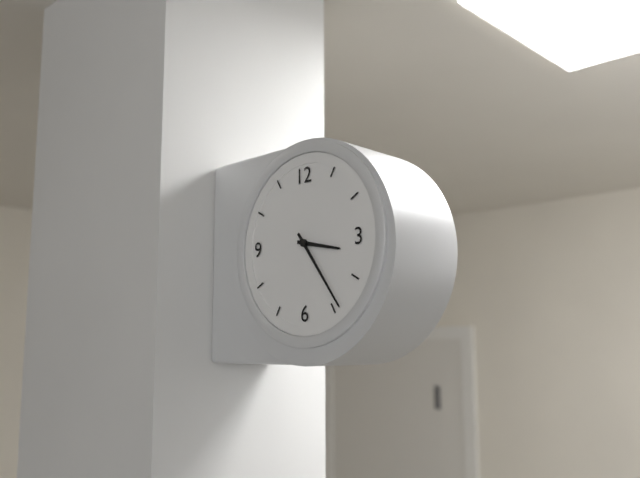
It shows 3 h 24 min
